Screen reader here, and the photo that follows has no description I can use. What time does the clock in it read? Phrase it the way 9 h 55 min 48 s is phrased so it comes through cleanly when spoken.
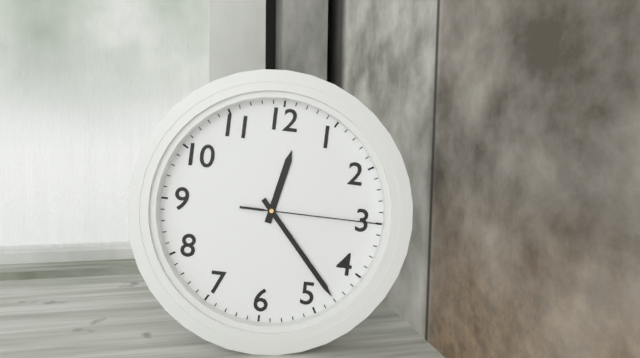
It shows 12 h 23 min 15 s
